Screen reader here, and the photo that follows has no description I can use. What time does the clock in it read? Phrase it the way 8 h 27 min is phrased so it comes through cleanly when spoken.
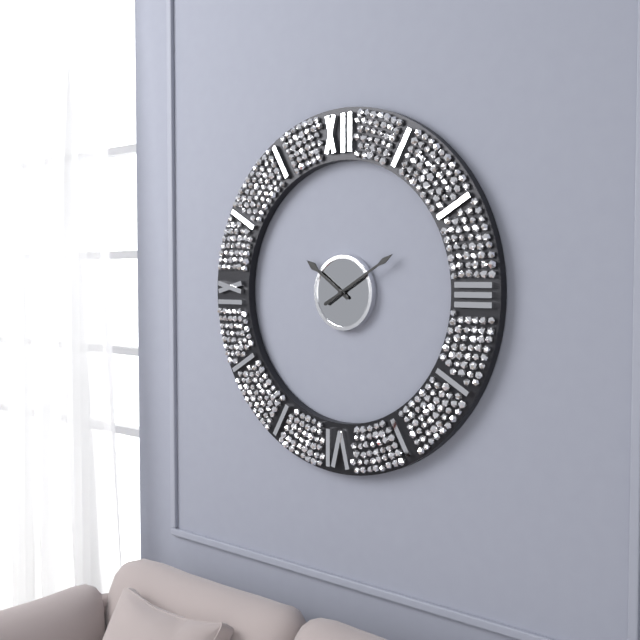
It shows 10 h 10 min
